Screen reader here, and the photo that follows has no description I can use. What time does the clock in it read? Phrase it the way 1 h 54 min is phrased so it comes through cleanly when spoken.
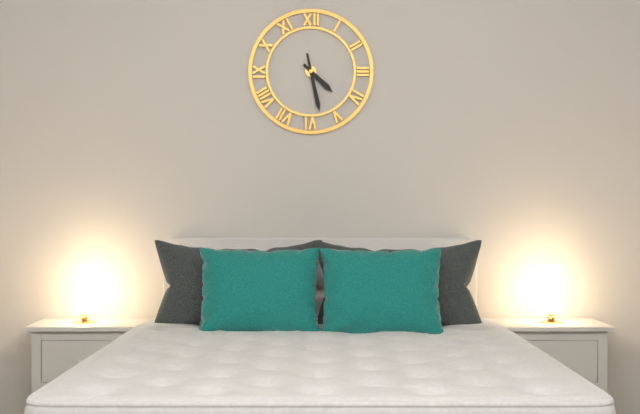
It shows 4 h 28 min
